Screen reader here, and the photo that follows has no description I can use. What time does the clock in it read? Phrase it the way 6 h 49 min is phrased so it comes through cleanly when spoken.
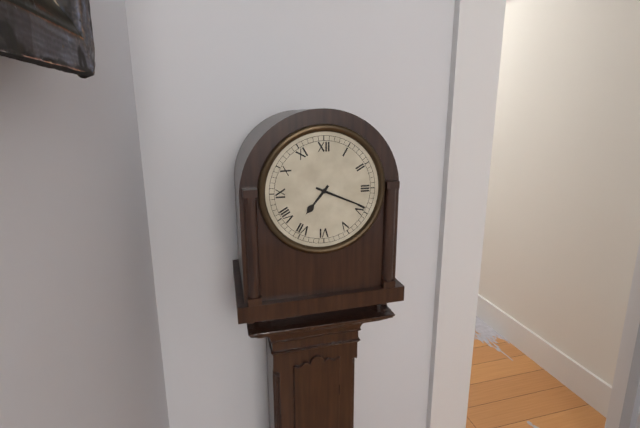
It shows 7 h 19 min
